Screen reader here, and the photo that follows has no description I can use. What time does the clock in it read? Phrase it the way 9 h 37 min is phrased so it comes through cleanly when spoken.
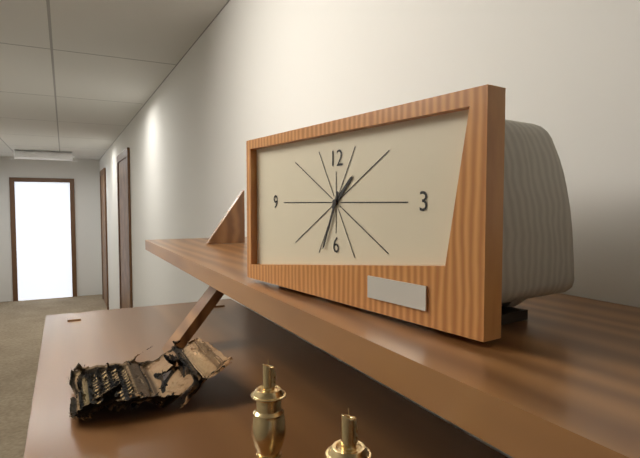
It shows 1 h 34 min
